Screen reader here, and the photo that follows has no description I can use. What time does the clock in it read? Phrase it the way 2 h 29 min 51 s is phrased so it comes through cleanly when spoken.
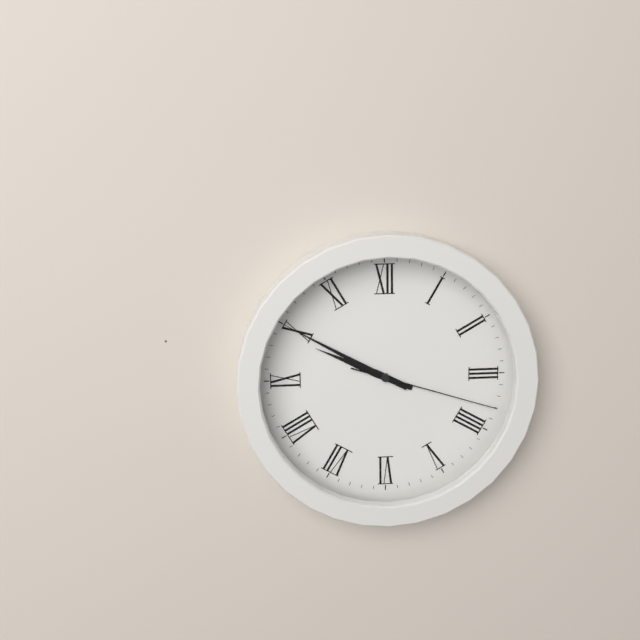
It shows 9 h 50 min 18 s
